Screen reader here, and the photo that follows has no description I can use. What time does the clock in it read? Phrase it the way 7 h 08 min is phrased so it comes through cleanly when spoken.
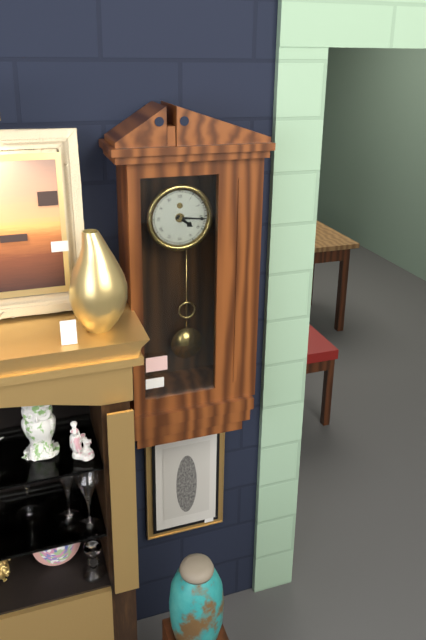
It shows 4 h 16 min
